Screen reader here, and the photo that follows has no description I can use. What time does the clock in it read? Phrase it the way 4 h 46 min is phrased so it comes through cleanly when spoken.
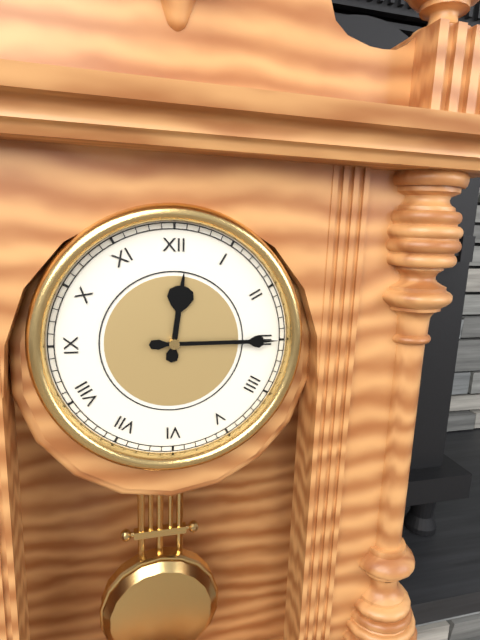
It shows 12 h 15 min
